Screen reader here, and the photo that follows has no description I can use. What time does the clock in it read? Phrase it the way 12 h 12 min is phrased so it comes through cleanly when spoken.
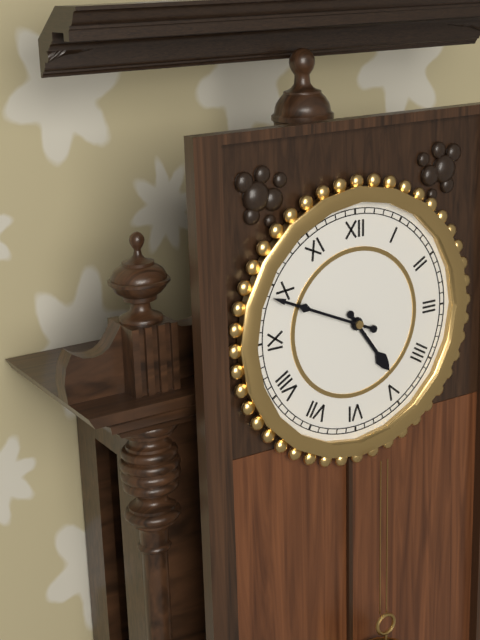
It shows 4 h 49 min
